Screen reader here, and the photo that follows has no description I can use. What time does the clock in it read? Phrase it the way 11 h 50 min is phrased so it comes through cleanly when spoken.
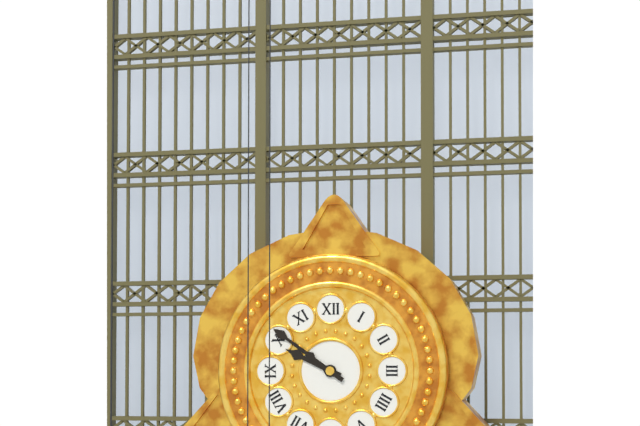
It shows 9 h 51 min
